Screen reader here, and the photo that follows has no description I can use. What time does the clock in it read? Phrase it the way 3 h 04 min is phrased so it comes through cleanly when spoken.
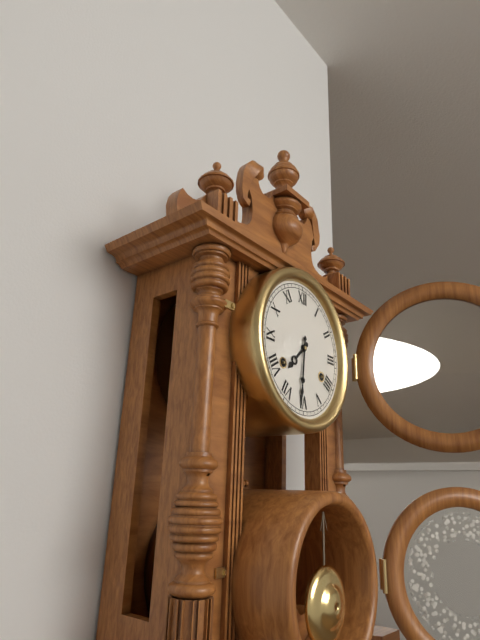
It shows 7 h 31 min
